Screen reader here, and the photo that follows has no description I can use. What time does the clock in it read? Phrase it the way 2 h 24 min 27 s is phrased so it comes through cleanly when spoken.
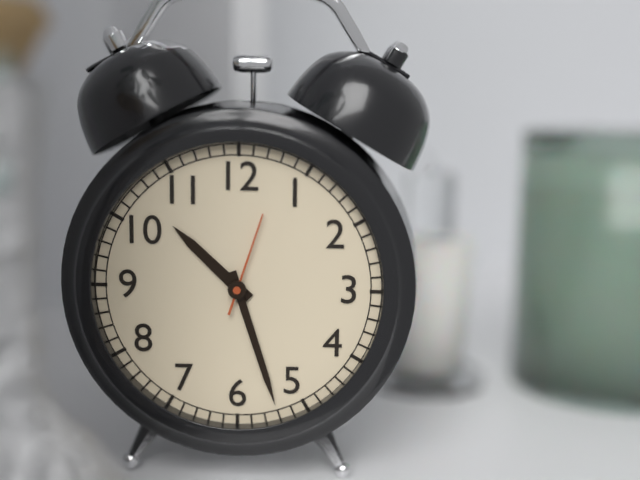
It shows 10 h 27 min 03 s
